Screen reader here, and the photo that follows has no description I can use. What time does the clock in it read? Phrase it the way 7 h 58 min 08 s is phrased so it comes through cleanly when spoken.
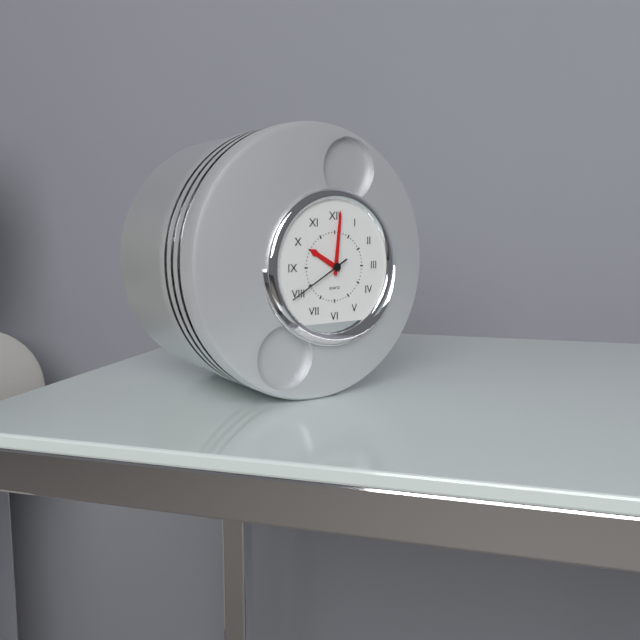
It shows 10 h 01 min 40 s
